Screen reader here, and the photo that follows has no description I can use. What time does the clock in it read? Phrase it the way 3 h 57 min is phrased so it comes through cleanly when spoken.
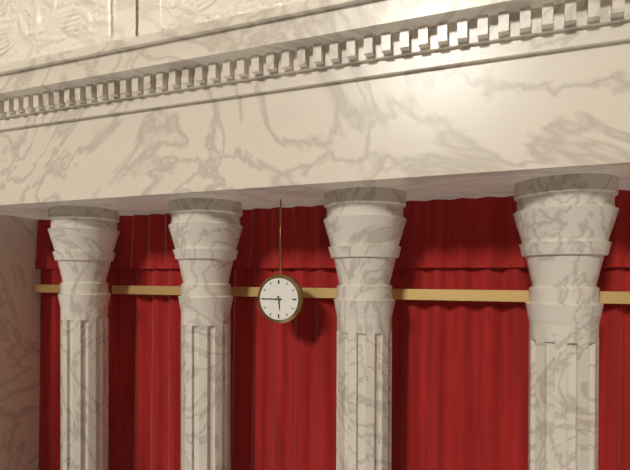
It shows 5 h 45 min
